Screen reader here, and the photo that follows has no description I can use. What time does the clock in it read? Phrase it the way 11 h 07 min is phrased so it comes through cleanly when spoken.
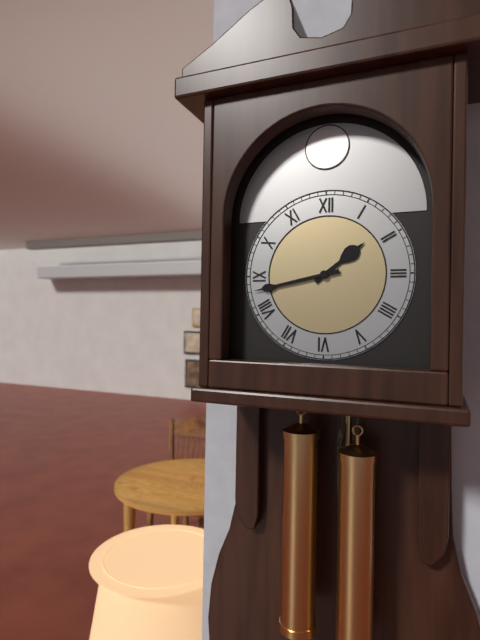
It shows 1 h 43 min
